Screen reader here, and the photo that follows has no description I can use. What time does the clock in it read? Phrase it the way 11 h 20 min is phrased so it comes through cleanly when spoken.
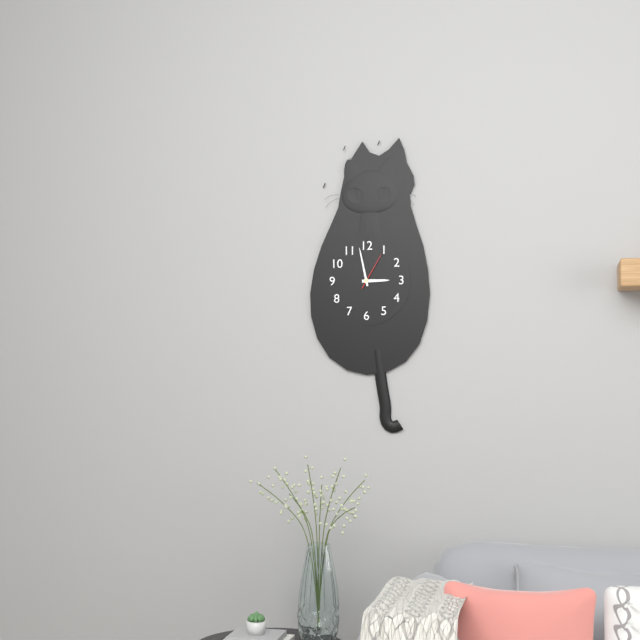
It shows 2 h 58 min
